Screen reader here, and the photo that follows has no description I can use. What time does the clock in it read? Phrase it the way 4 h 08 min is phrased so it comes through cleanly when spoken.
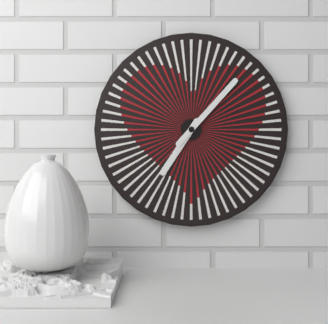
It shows 7 h 07 min
